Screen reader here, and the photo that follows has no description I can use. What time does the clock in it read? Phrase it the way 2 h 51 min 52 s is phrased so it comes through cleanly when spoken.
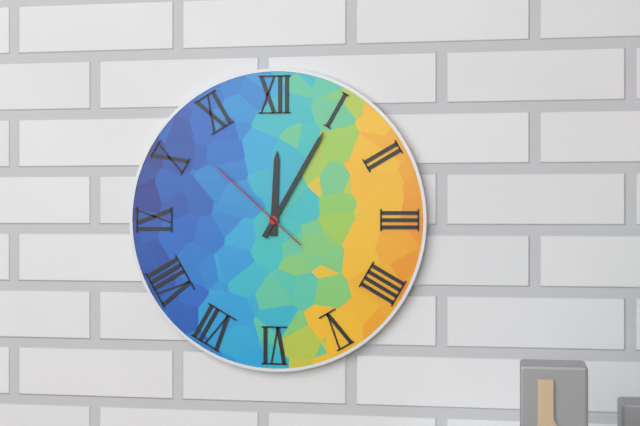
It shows 12 h 05 min 52 s
